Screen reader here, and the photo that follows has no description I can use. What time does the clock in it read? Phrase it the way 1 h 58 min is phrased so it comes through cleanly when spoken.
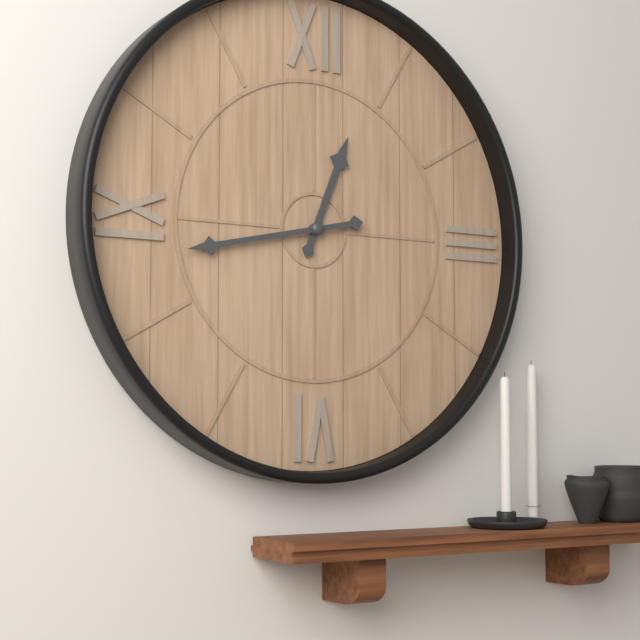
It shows 12 h 43 min
